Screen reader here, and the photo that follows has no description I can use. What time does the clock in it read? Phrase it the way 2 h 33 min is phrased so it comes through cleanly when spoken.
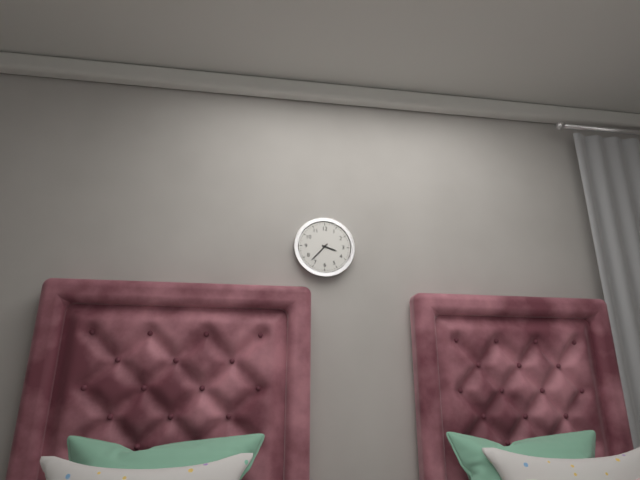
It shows 3 h 37 min
